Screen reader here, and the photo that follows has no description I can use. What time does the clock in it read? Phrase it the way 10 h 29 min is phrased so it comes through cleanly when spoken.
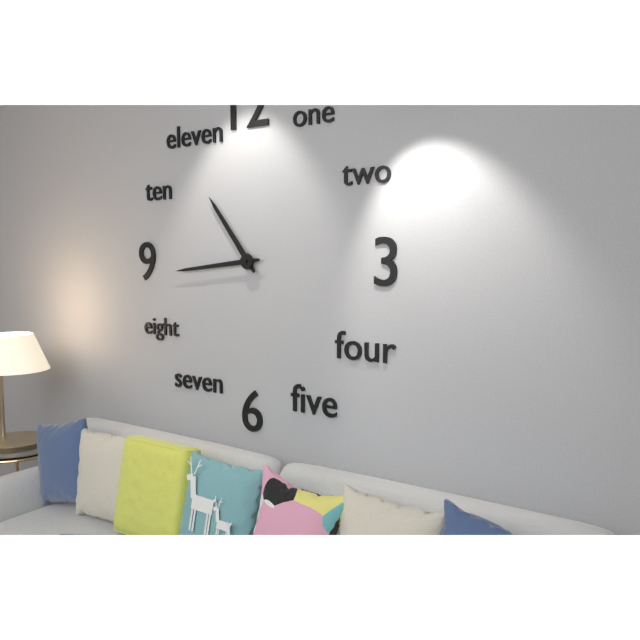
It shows 10 h 44 min
